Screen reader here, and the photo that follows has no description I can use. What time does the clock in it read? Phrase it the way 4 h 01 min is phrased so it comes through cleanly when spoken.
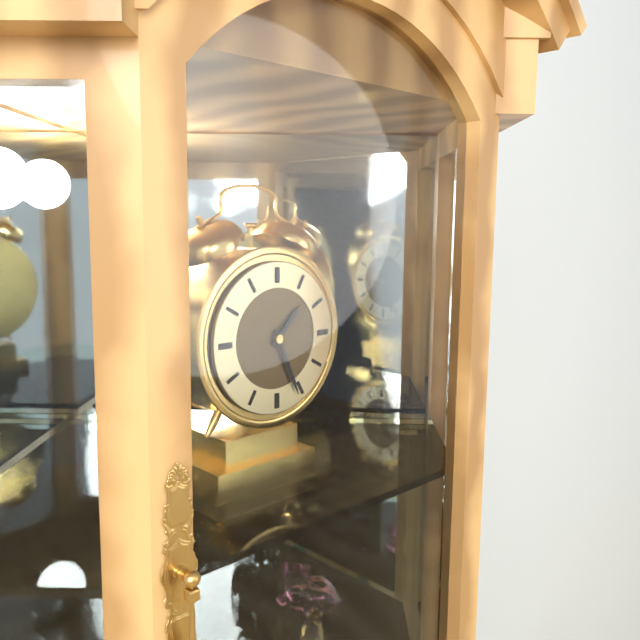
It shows 1 h 26 min
